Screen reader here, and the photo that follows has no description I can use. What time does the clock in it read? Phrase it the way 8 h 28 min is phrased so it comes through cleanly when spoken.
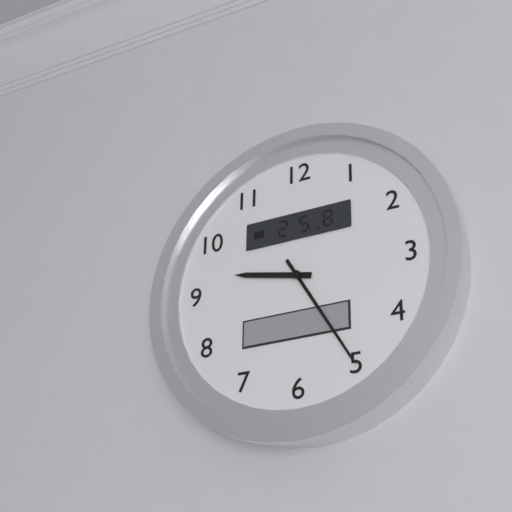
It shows 9 h 25 min
